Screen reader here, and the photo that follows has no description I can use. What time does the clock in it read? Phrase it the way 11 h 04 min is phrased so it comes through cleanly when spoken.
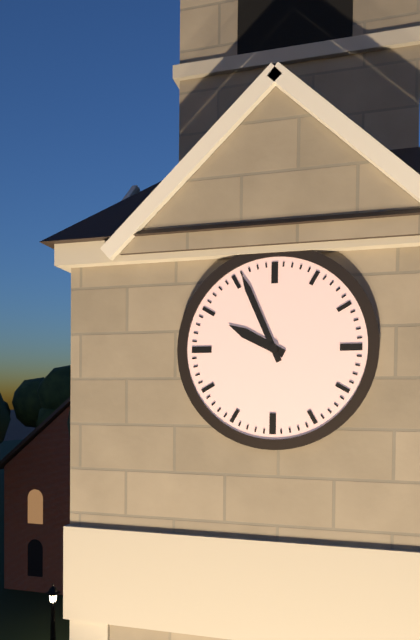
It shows 9 h 56 min
